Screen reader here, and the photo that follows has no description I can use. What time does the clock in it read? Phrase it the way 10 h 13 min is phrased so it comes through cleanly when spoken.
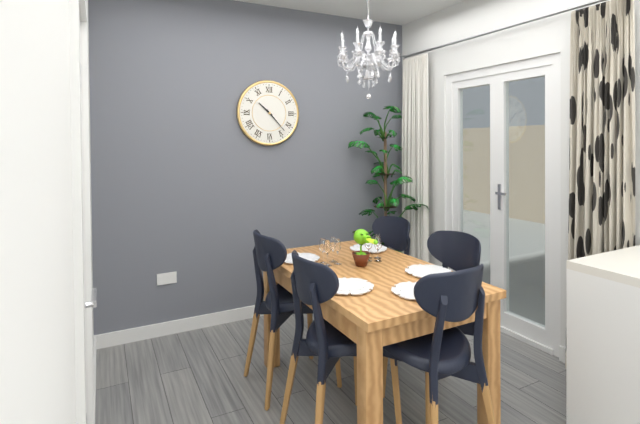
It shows 10 h 23 min
